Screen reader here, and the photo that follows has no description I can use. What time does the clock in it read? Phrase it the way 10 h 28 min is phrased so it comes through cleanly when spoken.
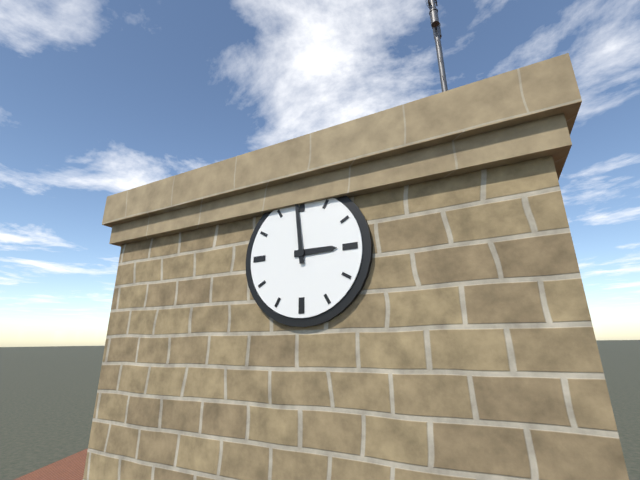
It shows 2 h 59 min
